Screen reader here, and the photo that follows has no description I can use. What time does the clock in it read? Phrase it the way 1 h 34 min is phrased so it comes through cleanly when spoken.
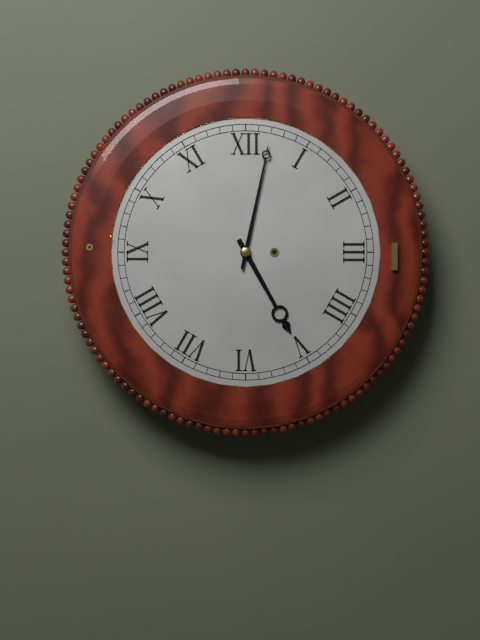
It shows 5 h 02 min
